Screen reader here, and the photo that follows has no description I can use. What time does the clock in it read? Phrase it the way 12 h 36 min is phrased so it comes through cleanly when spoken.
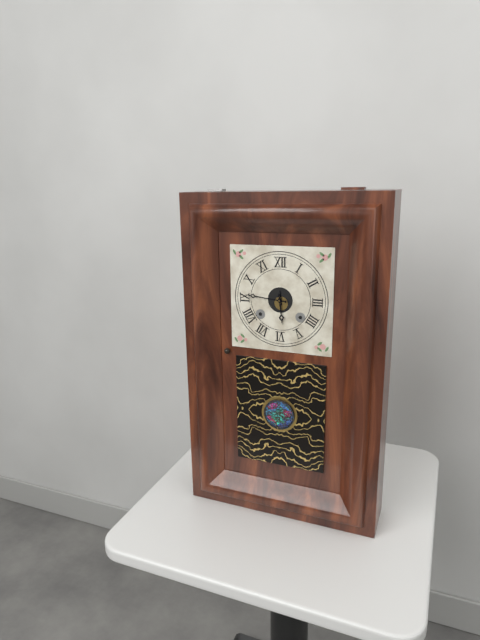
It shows 5 h 46 min
